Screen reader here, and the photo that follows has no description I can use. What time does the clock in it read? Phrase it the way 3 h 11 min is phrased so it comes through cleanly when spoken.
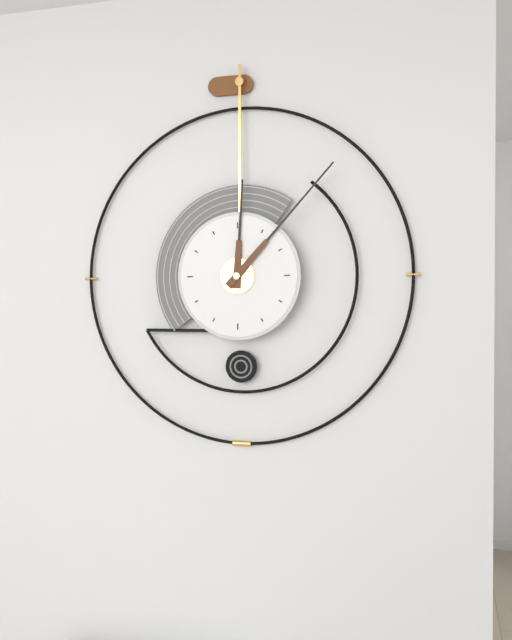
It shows 12 h 07 min
